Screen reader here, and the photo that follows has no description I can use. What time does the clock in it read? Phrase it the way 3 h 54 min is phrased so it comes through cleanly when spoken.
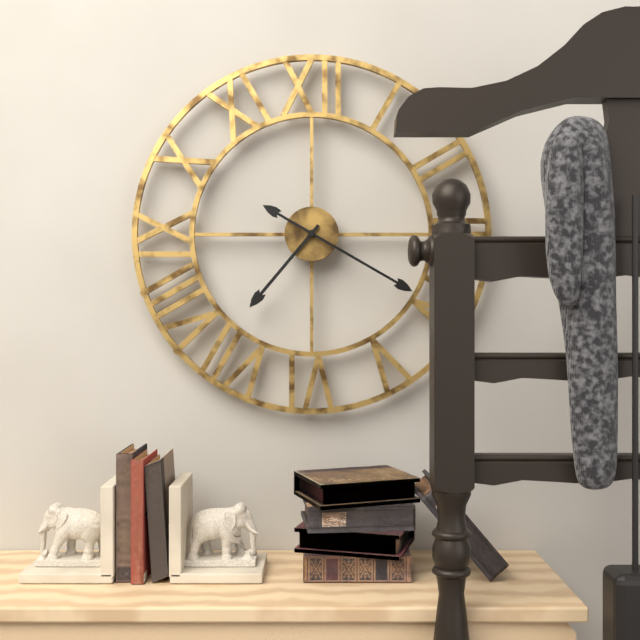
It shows 7 h 20 min
